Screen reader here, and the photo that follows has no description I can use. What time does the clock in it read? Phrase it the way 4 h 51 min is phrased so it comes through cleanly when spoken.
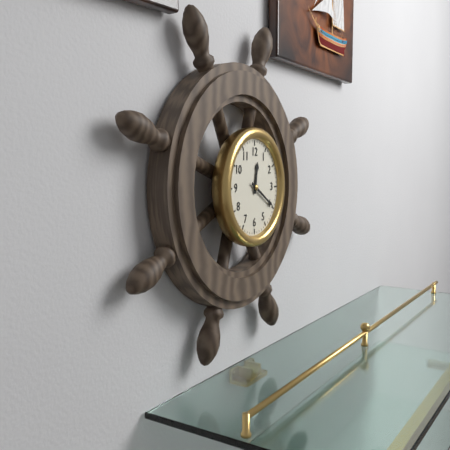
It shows 12 h 20 min
